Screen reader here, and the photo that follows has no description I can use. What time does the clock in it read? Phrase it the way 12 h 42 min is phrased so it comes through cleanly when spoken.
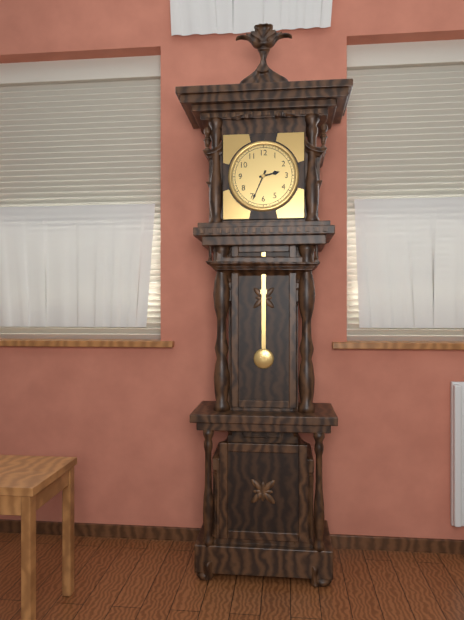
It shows 2 h 34 min
